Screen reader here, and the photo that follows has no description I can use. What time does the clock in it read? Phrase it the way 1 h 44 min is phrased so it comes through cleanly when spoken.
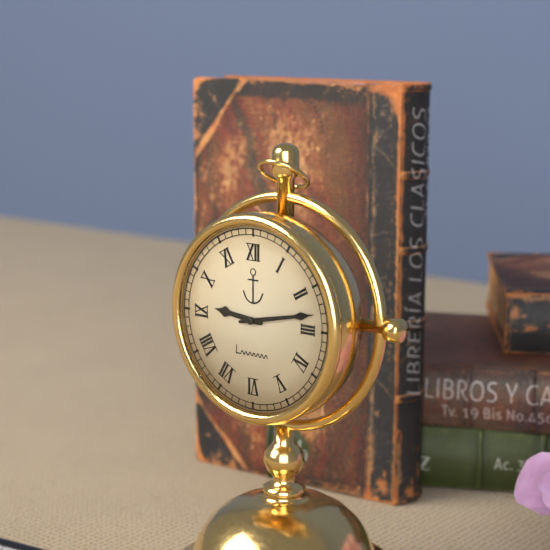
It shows 9 h 13 min
